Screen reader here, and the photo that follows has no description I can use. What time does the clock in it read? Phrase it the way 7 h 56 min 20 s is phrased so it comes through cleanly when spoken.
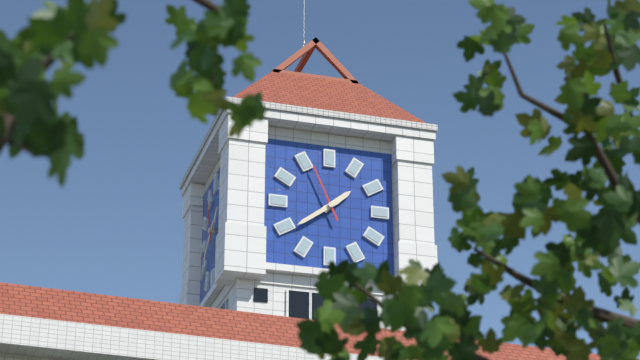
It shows 1 h 39 min 56 s
